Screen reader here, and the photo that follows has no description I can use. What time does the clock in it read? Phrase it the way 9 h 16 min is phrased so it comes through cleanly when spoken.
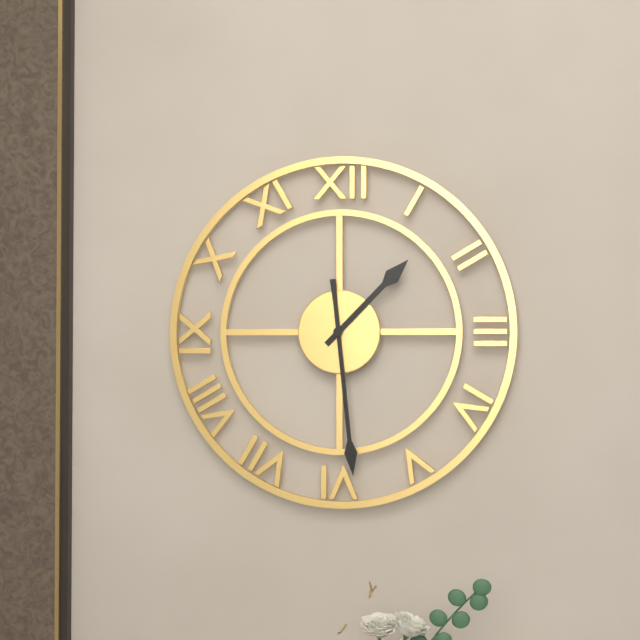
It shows 1 h 29 min
